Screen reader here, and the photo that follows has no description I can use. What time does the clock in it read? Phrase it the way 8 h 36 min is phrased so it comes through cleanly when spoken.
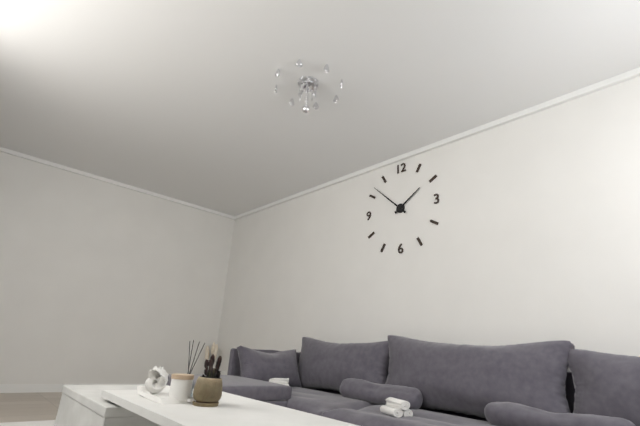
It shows 1 h 52 min
